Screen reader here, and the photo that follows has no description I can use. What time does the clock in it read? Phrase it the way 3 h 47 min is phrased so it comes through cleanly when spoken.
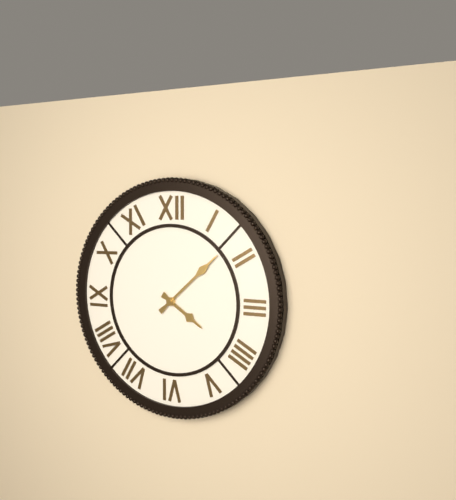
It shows 4 h 08 min
